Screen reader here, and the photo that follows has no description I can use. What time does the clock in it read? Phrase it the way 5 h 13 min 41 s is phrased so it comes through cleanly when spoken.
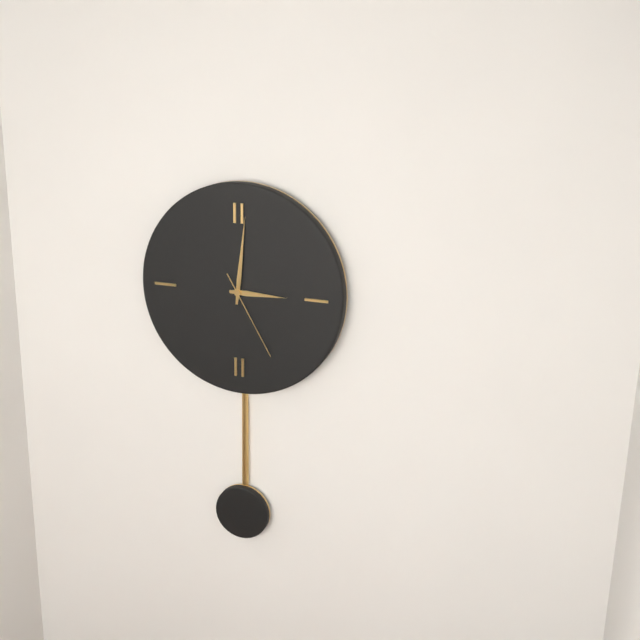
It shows 3 h 01 min 25 s
